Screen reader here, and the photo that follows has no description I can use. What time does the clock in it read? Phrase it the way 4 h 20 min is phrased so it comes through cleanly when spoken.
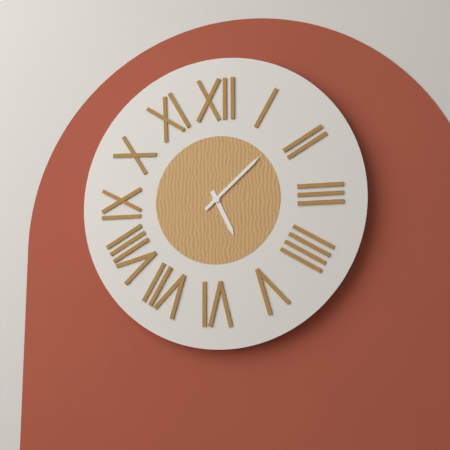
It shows 5 h 08 min
